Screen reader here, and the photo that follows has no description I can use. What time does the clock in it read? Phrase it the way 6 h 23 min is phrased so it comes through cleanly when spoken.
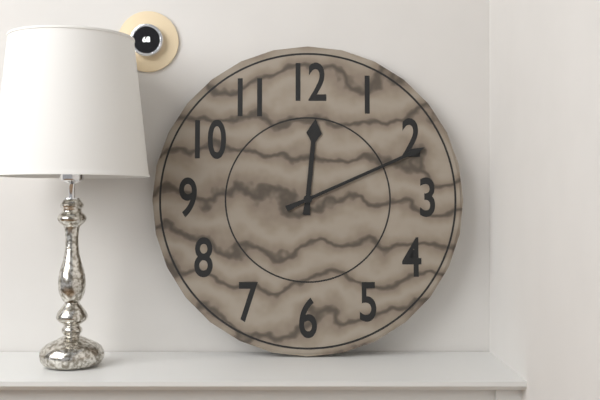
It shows 12 h 11 min
